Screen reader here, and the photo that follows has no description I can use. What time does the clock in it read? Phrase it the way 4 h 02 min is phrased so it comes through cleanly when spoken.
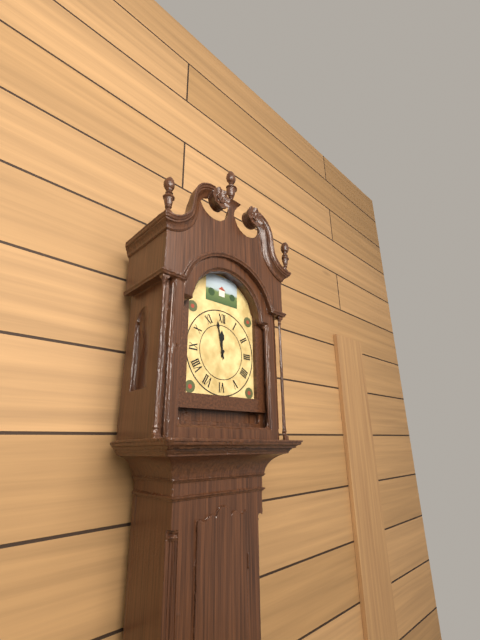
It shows 11 h 58 min
